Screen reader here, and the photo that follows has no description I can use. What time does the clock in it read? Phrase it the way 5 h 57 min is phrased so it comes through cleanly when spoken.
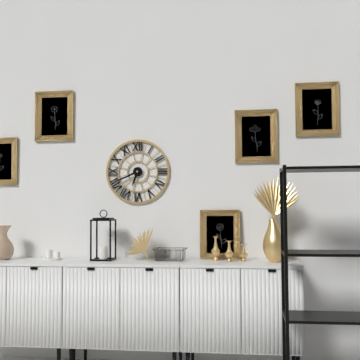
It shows 6 h 41 min
